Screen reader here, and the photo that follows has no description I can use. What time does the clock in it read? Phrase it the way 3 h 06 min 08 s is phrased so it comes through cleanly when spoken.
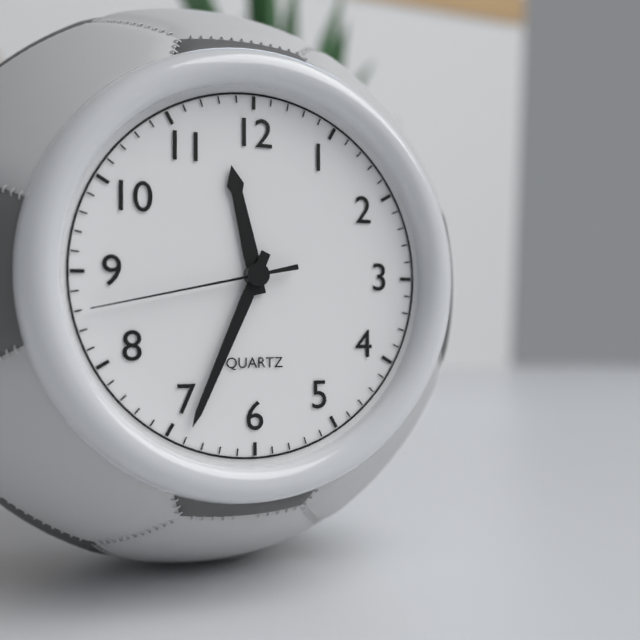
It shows 11 h 34 min 43 s
